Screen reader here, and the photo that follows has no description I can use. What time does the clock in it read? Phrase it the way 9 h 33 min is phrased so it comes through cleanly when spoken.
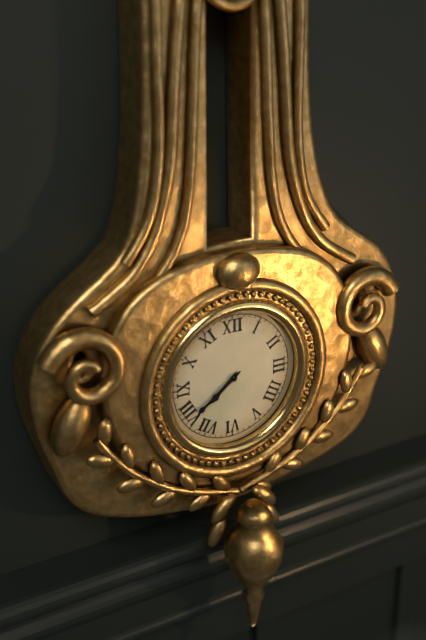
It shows 7 h 39 min
